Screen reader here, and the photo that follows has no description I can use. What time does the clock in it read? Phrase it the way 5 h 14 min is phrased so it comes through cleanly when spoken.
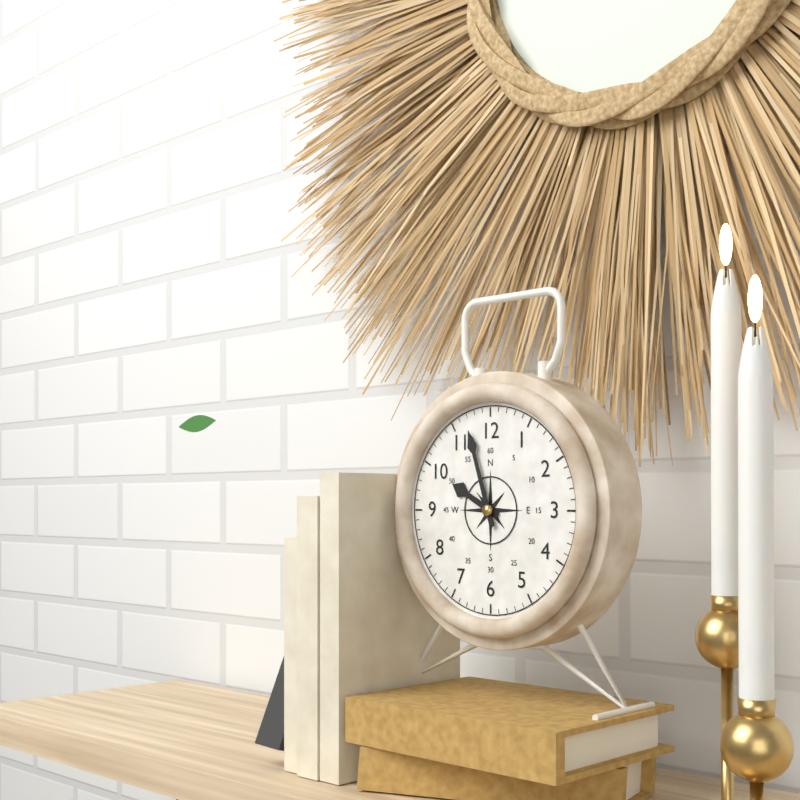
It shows 9 h 57 min
